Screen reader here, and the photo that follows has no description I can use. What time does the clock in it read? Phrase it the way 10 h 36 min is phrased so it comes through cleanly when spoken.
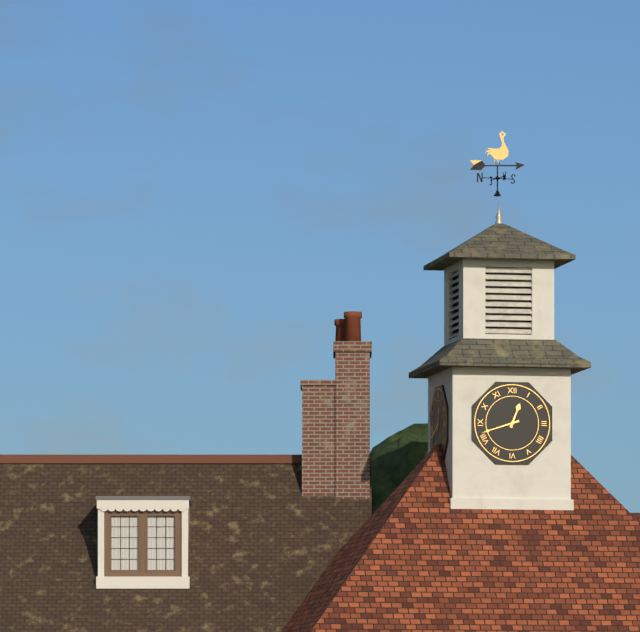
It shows 12 h 42 min
